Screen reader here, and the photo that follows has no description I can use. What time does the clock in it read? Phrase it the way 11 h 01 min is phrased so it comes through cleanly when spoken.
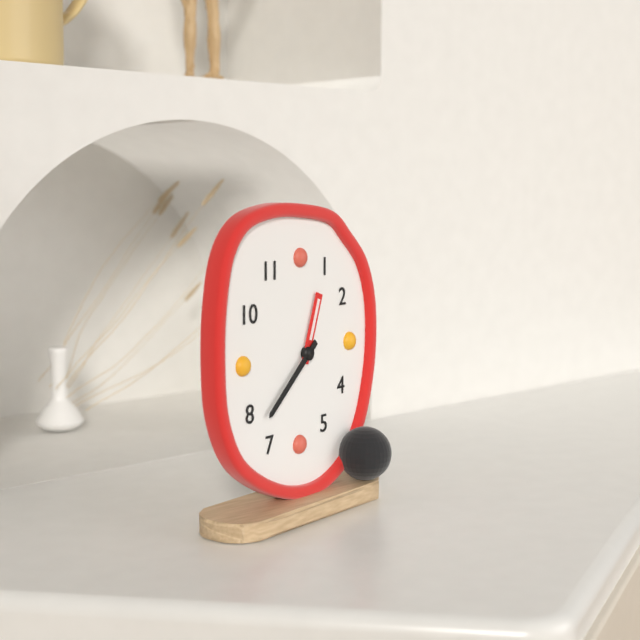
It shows 12 h 38 min
